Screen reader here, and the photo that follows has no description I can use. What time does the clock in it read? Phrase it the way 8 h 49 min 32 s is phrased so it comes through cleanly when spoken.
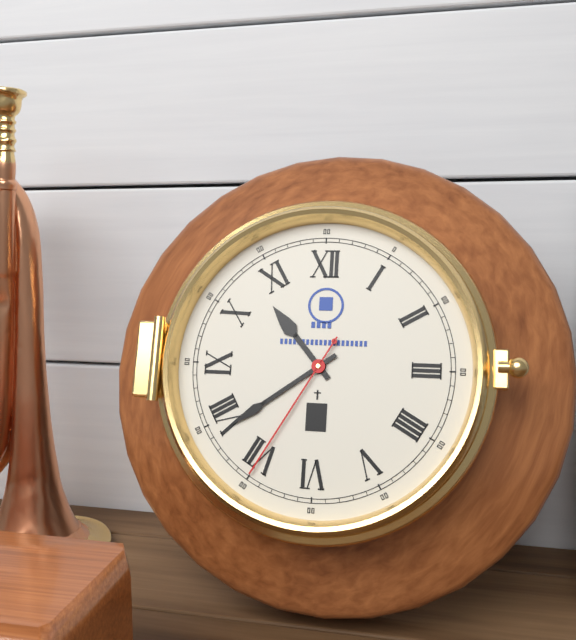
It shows 10 h 39 min 35 s
